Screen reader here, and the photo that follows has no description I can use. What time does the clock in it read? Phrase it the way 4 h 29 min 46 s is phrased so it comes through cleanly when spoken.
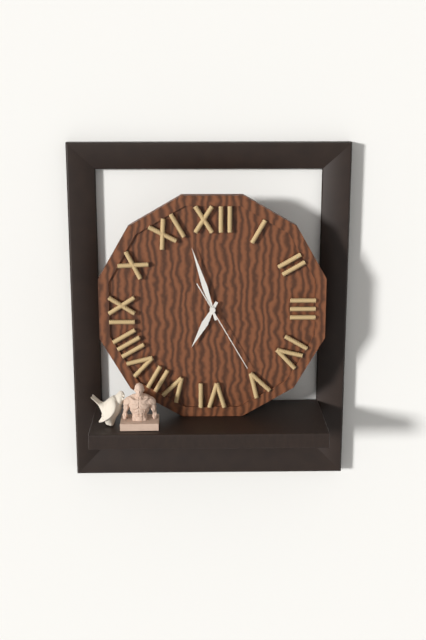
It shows 6 h 57 min 25 s
